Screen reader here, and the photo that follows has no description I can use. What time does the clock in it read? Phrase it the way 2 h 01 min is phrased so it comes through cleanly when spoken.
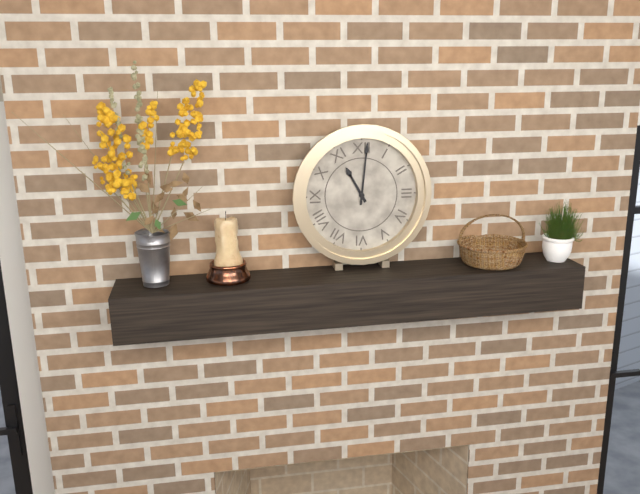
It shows 11 h 01 min
